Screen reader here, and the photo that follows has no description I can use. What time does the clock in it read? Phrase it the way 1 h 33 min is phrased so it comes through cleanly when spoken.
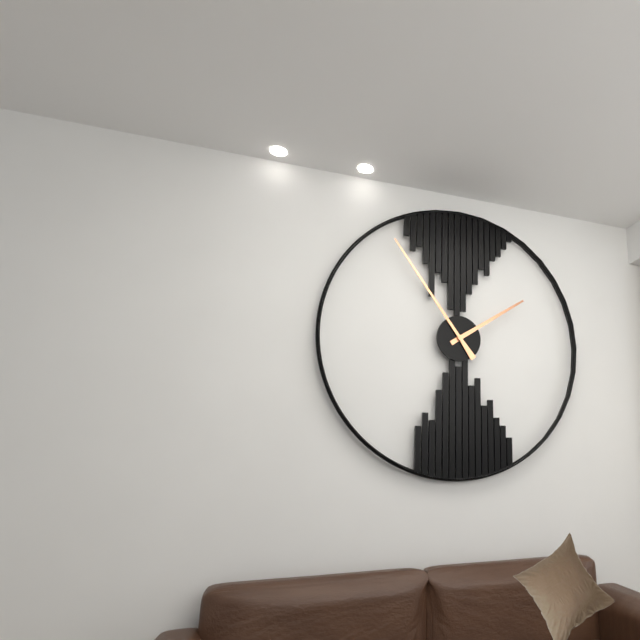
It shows 1 h 54 min
